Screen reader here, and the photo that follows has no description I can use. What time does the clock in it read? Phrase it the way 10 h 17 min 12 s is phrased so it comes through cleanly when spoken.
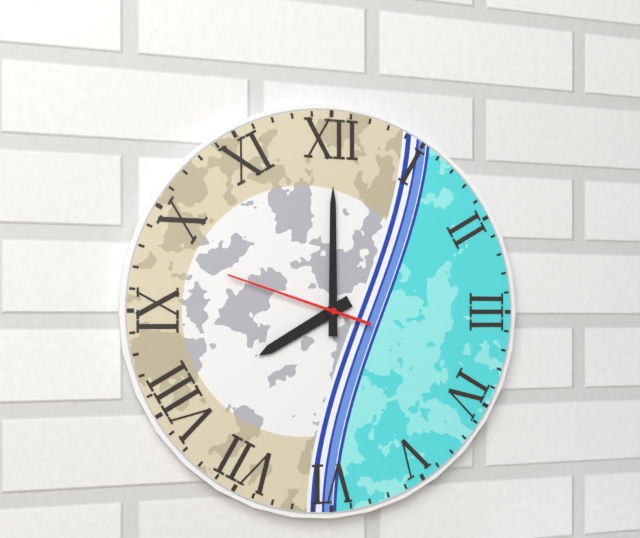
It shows 8 h 00 min 48 s
